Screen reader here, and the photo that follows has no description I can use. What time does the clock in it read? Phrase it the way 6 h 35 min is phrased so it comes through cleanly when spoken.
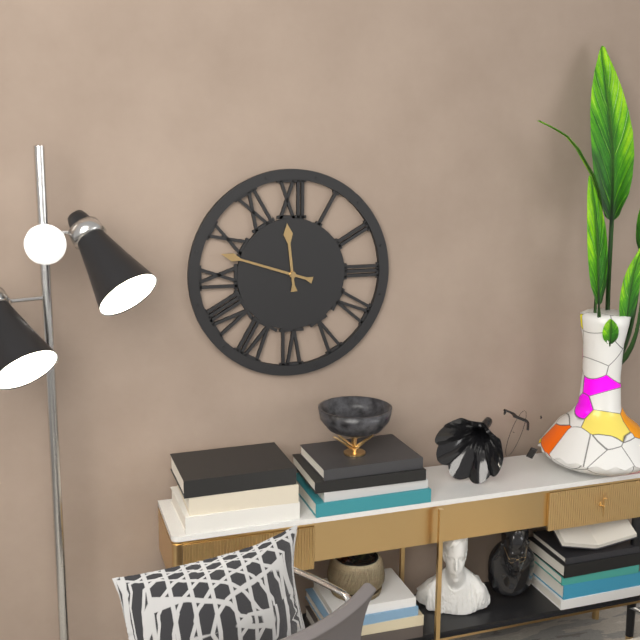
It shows 11 h 48 min
